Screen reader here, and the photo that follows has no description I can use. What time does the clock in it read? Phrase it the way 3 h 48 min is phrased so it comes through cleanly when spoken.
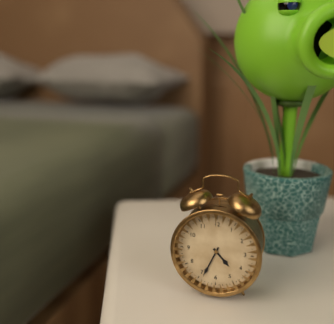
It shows 4 h 34 min
